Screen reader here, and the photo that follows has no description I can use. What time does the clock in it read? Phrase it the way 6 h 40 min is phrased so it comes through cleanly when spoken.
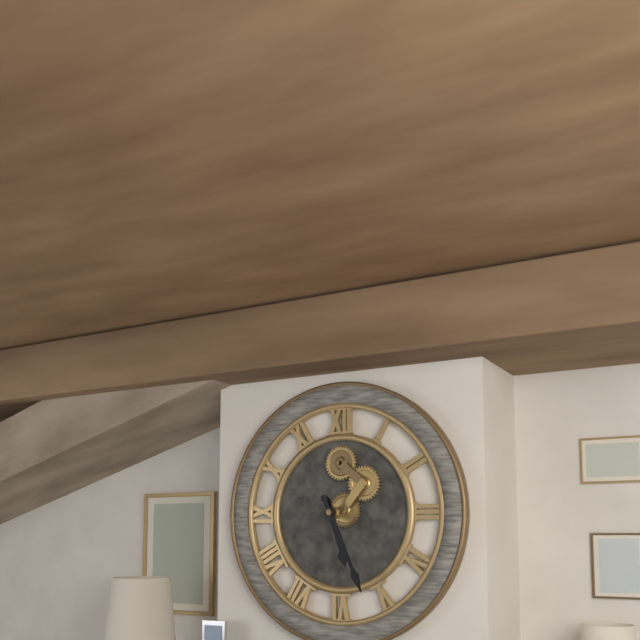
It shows 5 h 26 min
